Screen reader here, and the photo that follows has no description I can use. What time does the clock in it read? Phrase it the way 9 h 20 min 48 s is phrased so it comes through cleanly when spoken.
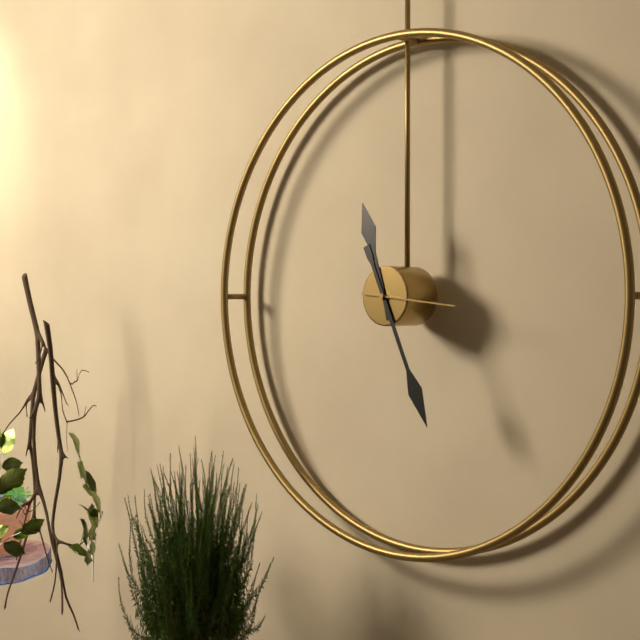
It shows 11 h 26 min 16 s
